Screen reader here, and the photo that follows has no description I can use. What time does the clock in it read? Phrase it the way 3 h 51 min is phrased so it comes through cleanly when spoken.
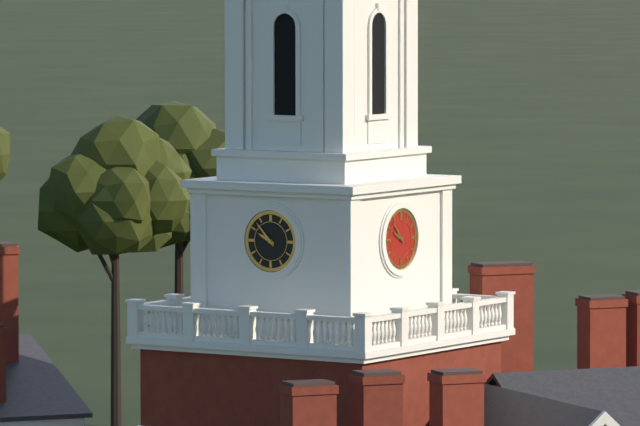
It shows 9 h 53 min
